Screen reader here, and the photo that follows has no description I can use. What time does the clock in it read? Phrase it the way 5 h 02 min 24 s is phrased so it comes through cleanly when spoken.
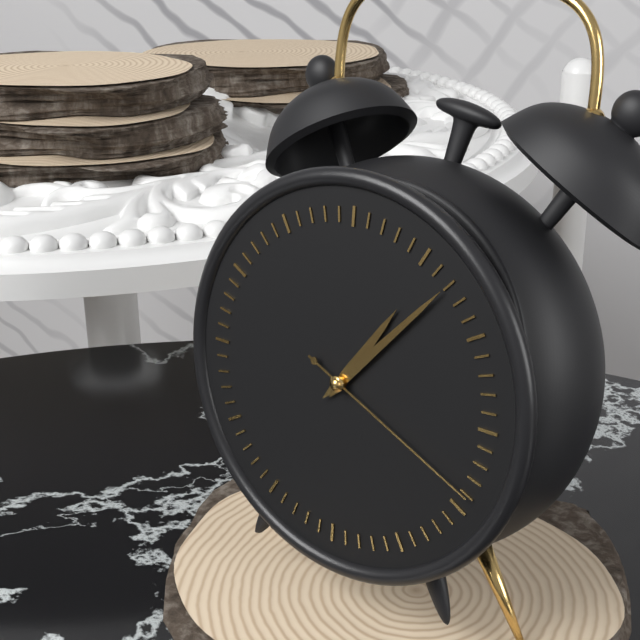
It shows 1 h 07 min 19 s
